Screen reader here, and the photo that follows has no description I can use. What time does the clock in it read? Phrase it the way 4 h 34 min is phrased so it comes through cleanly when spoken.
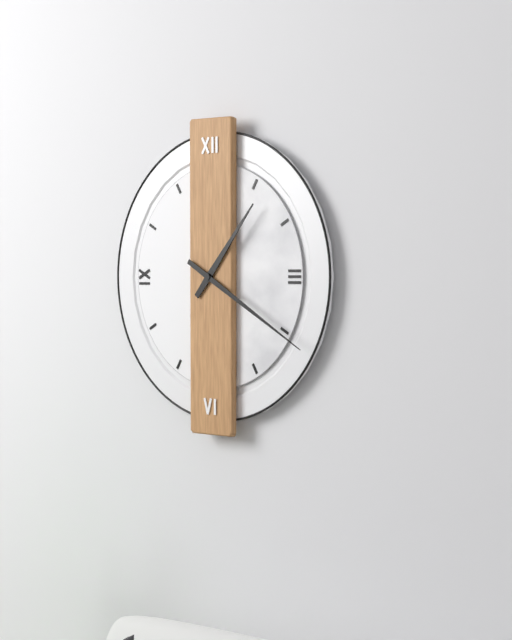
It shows 1 h 20 min
